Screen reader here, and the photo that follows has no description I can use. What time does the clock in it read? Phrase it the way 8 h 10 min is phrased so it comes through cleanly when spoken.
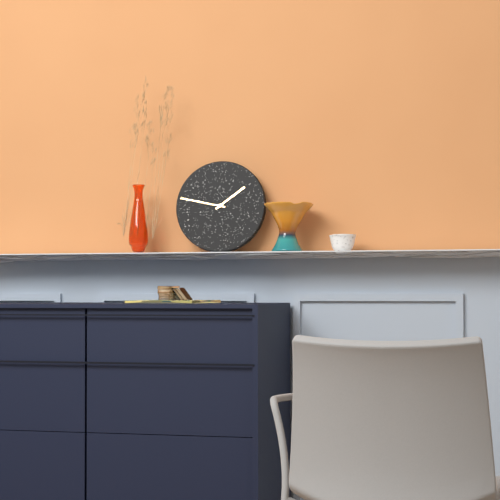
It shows 1 h 47 min
